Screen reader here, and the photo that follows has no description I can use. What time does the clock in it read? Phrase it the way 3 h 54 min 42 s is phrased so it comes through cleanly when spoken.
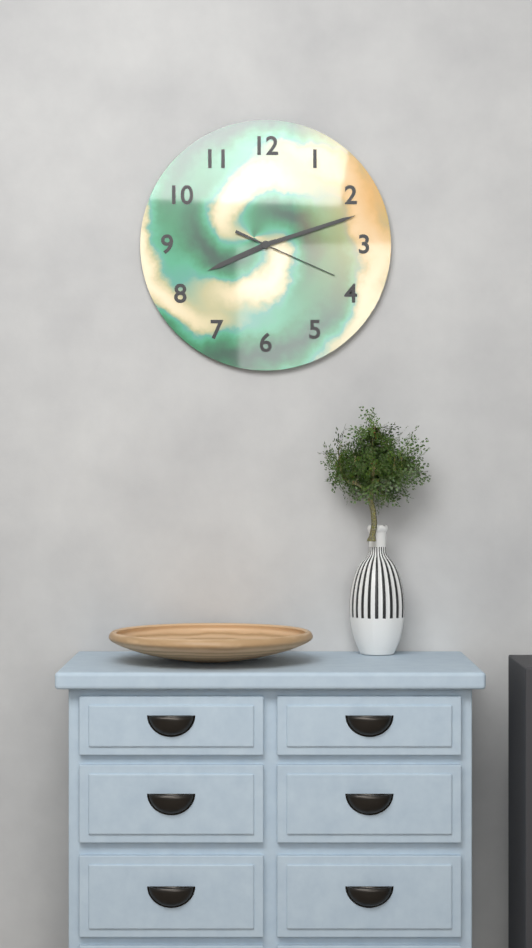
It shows 8 h 12 min 19 s
